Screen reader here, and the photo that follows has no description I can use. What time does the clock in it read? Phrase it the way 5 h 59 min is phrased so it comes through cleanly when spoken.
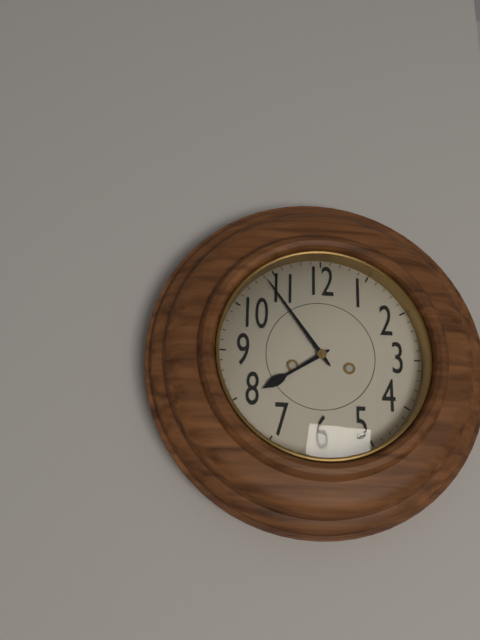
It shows 7 h 54 min
